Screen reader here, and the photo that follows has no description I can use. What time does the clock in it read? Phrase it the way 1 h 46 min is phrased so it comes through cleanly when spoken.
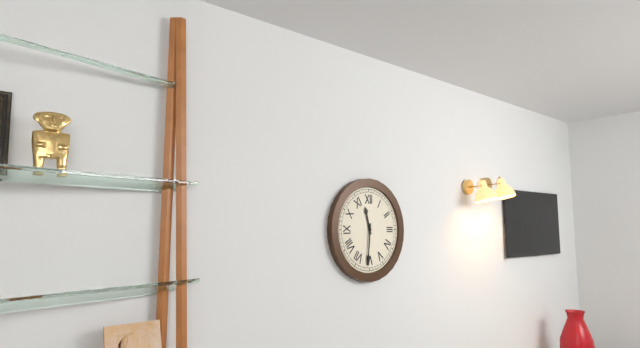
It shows 11 h 31 min
